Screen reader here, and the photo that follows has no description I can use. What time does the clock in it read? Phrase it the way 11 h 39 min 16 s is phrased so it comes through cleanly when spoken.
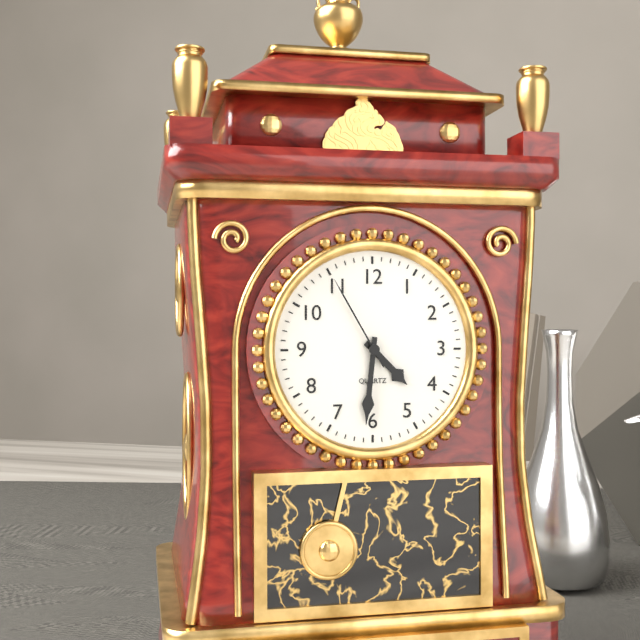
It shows 4 h 31 min 55 s
